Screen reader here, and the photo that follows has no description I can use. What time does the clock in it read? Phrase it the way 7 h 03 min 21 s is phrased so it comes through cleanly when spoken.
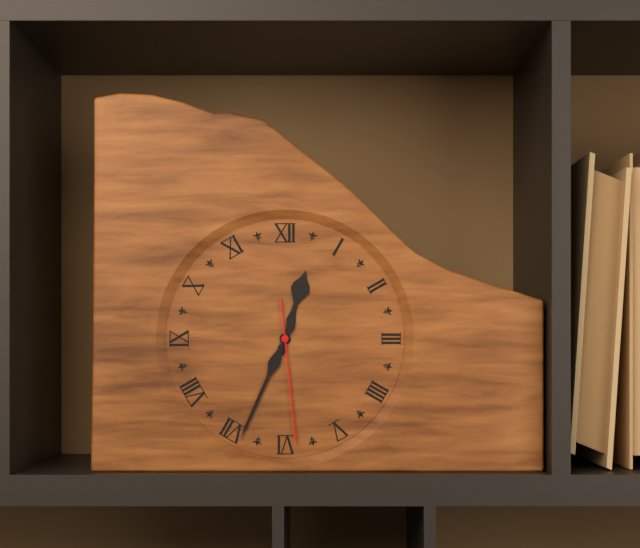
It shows 12 h 34 min 29 s
